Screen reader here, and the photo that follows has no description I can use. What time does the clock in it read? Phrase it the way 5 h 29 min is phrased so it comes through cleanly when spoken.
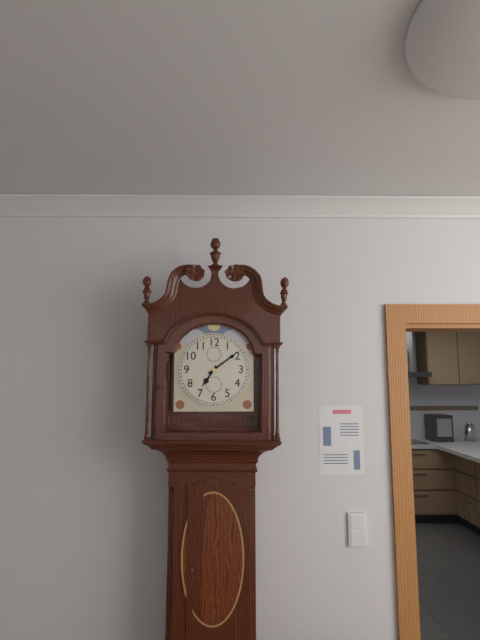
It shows 7 h 09 min
